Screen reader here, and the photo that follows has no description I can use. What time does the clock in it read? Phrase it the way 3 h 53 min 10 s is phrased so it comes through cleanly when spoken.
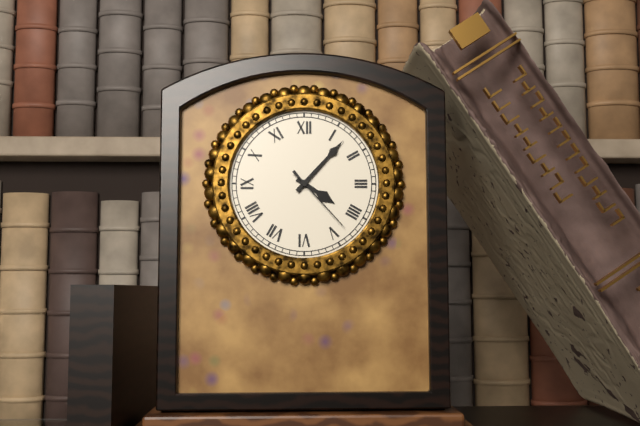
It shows 4 h 07 min 23 s
